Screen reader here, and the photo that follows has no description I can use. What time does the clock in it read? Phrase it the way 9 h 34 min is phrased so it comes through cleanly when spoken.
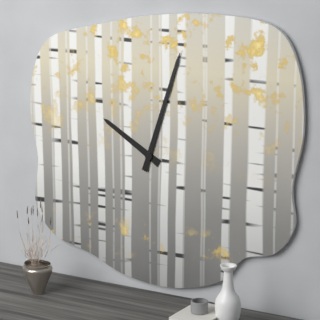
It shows 10 h 03 min
